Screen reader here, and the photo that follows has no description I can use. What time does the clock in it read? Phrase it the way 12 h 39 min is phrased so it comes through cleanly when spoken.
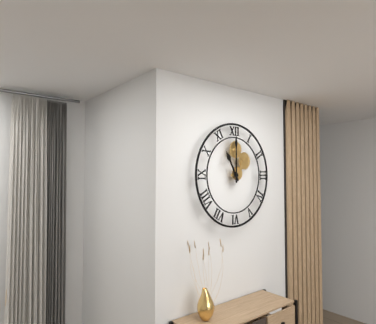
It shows 11 h 00 min
